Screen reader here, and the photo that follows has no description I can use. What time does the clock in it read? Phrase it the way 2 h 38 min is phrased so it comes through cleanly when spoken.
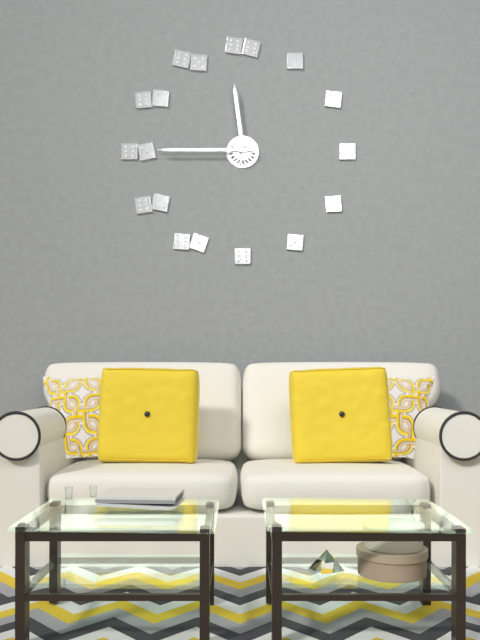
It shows 11 h 45 min
